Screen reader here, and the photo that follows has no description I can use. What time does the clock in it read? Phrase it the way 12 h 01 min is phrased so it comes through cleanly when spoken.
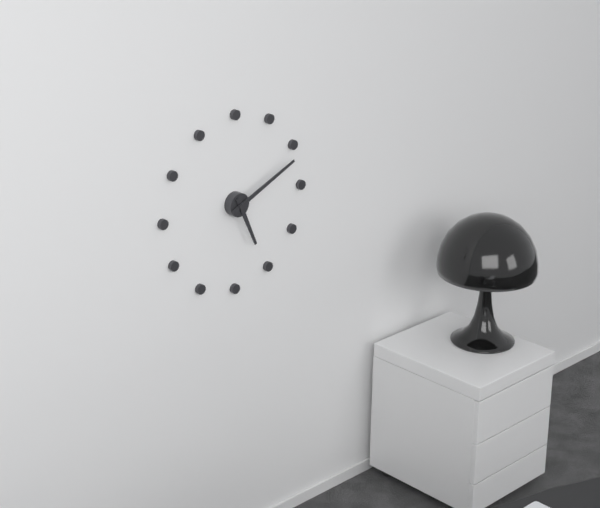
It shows 5 h 11 min
